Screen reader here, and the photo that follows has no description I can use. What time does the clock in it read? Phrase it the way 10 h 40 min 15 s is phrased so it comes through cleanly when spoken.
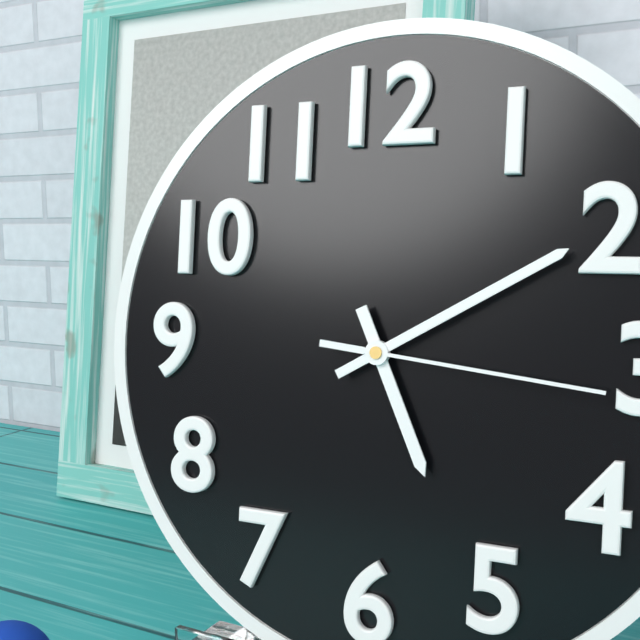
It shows 5 h 10 min 16 s
